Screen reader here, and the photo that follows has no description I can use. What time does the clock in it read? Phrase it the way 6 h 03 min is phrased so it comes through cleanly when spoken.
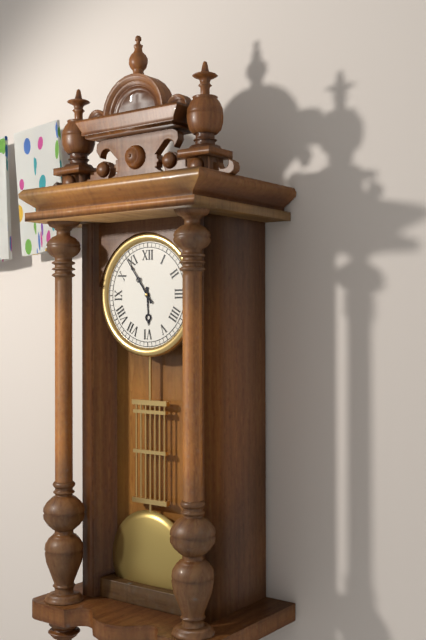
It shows 5 h 54 min
